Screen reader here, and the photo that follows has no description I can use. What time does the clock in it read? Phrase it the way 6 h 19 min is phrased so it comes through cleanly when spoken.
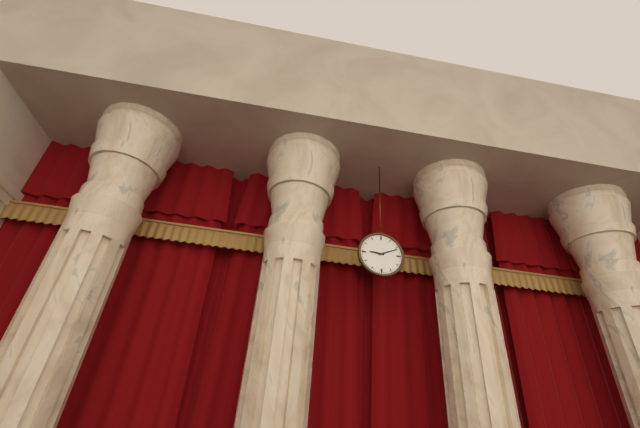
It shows 9 h 11 min
